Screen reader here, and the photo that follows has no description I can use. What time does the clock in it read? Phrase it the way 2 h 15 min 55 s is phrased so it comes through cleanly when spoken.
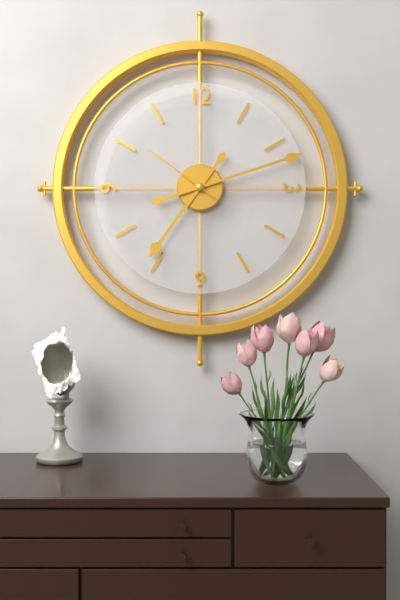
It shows 7 h 12 min 51 s
